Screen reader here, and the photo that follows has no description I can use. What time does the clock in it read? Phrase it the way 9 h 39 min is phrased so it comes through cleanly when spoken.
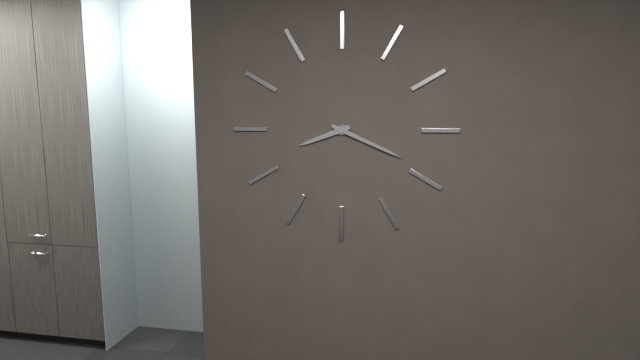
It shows 8 h 19 min
